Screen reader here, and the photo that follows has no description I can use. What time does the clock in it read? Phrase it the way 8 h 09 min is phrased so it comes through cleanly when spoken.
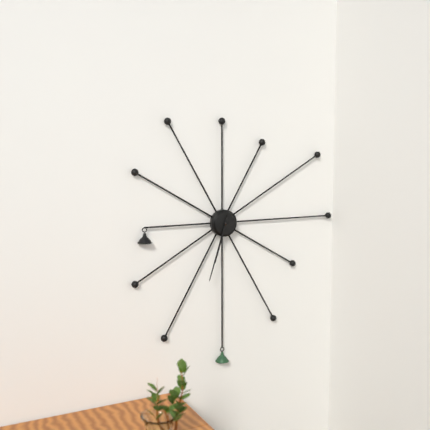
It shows 6 h 33 min
